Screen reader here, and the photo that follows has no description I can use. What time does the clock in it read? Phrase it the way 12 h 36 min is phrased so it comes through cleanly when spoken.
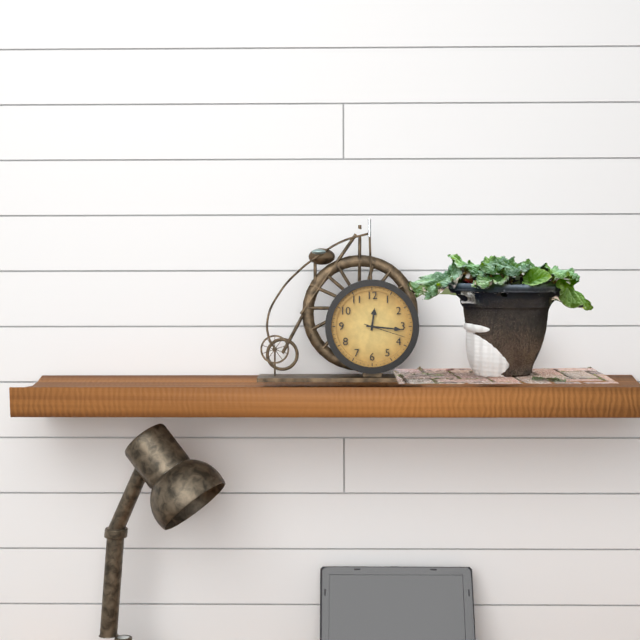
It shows 12 h 16 min
